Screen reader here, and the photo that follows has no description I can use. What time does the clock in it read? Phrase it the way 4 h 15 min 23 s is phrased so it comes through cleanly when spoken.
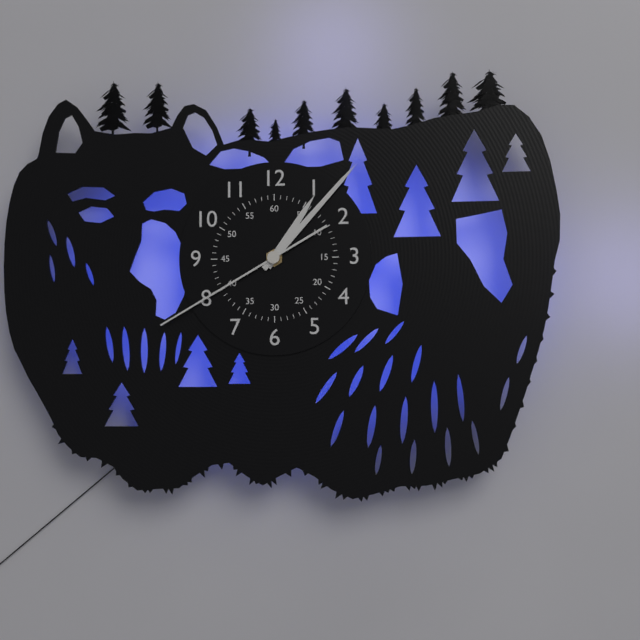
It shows 1 h 07 min 40 s
